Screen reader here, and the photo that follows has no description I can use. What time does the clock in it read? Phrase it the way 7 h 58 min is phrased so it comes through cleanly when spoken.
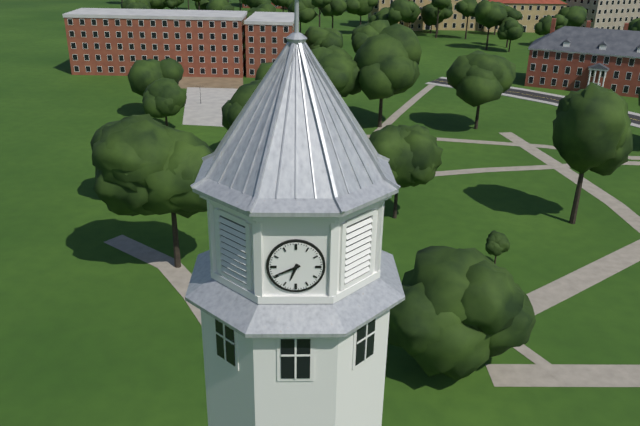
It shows 6 h 41 min
